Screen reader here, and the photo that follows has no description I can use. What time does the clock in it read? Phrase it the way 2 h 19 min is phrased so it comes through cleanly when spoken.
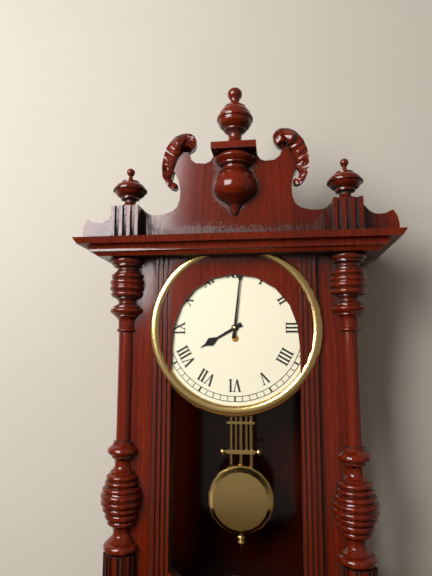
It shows 8 h 01 min
